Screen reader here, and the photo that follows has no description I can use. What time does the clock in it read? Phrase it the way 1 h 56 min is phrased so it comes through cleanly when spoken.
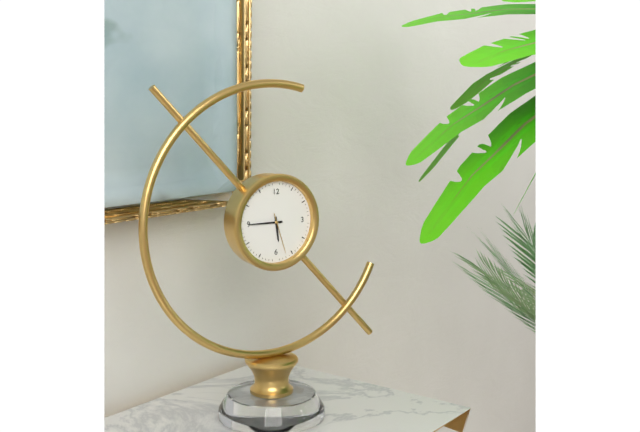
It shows 5 h 45 min
